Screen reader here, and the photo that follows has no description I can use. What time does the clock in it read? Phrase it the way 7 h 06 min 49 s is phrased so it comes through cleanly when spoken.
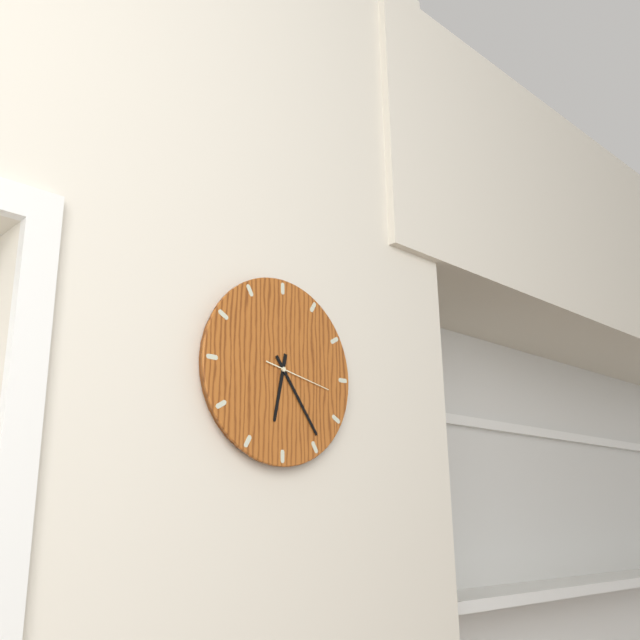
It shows 6 h 24 min 17 s
